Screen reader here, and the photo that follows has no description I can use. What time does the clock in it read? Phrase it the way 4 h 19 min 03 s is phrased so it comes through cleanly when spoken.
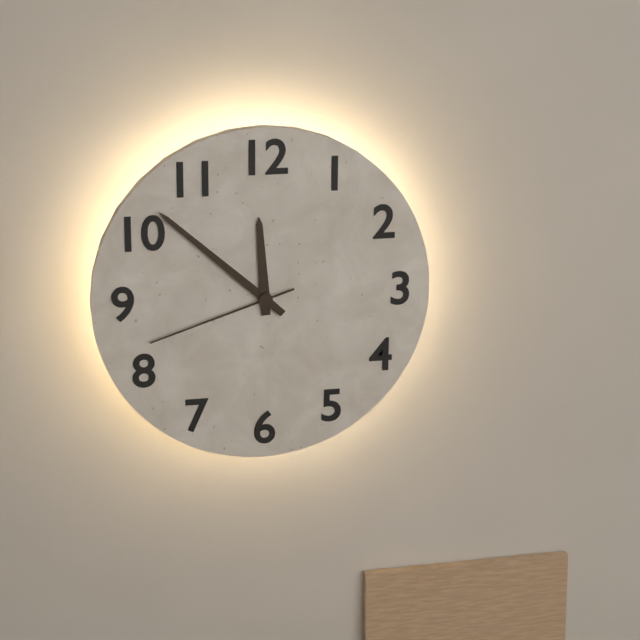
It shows 11 h 52 min 42 s
